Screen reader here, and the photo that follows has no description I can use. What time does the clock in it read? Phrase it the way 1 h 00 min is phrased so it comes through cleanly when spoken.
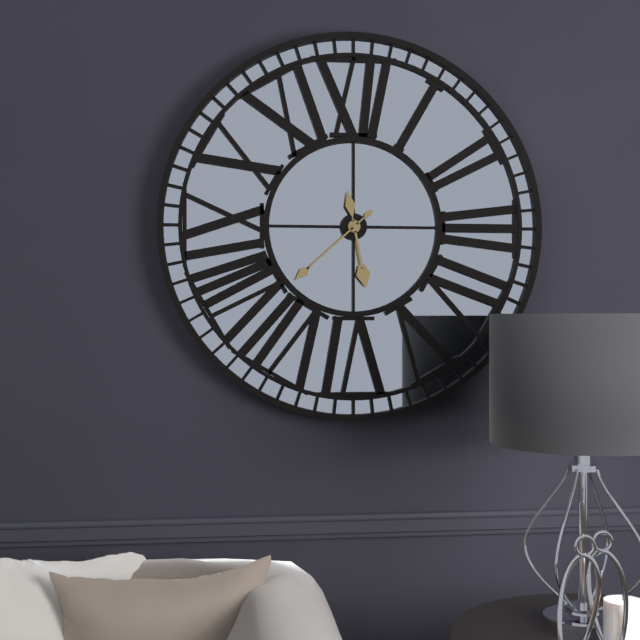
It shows 5 h 38 min
